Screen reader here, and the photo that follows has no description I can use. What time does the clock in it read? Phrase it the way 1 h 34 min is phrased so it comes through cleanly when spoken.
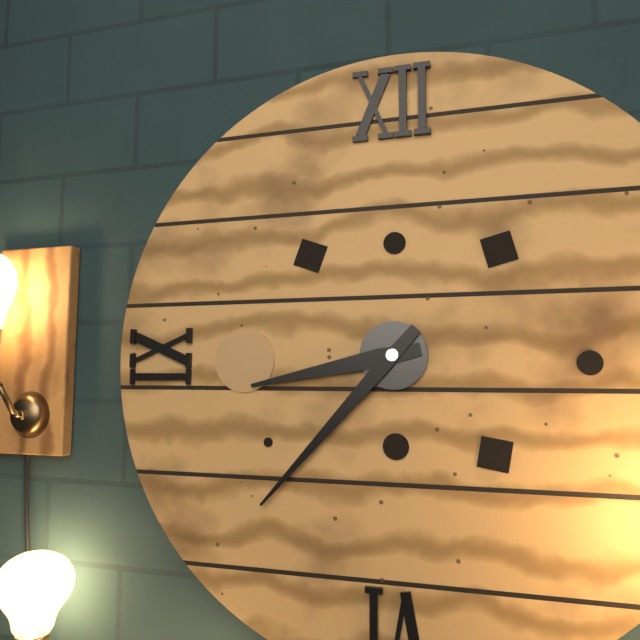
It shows 8 h 37 min
